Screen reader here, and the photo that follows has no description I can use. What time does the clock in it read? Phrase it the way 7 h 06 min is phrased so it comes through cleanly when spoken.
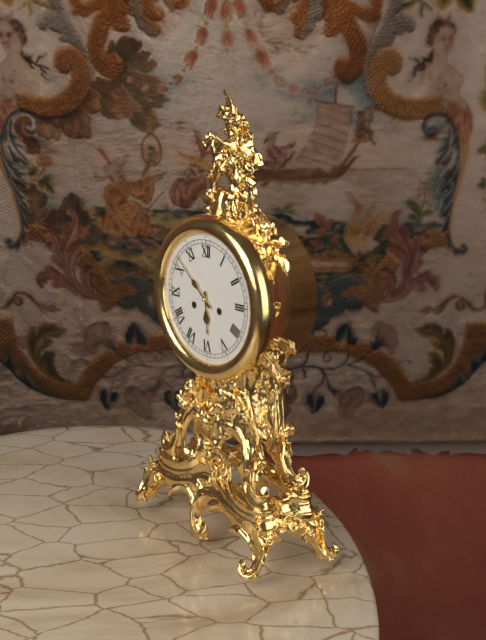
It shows 5 h 52 min
